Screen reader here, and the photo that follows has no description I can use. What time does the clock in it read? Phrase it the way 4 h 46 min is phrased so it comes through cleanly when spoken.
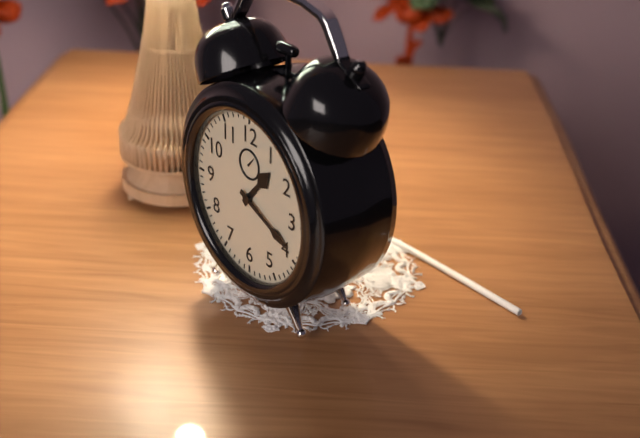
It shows 1 h 19 min
